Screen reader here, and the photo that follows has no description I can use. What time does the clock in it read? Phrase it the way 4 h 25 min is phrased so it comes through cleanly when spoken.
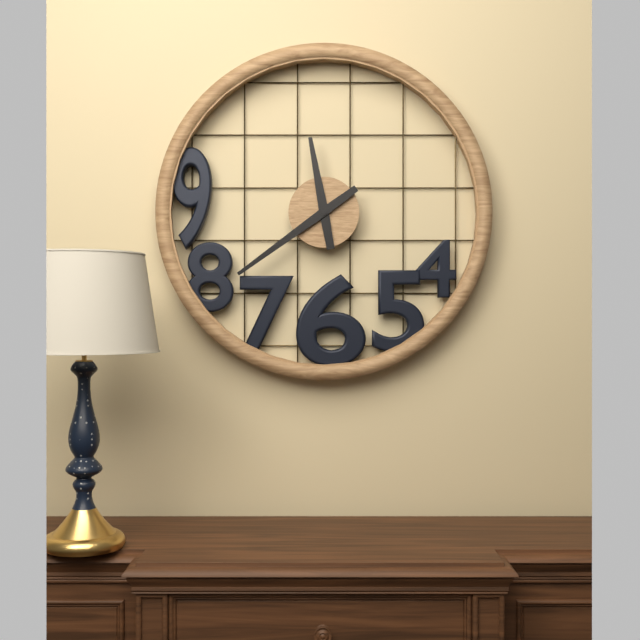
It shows 11 h 39 min
